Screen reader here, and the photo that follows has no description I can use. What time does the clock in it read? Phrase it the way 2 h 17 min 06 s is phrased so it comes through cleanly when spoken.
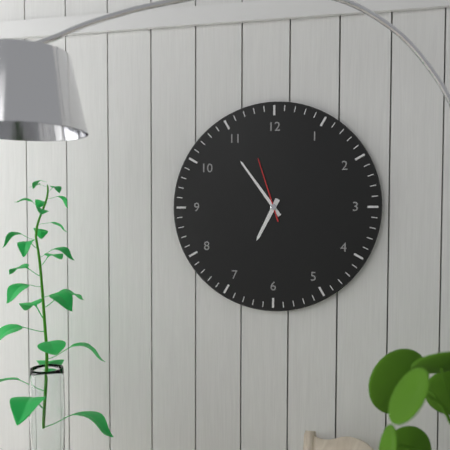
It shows 6 h 54 min 57 s
